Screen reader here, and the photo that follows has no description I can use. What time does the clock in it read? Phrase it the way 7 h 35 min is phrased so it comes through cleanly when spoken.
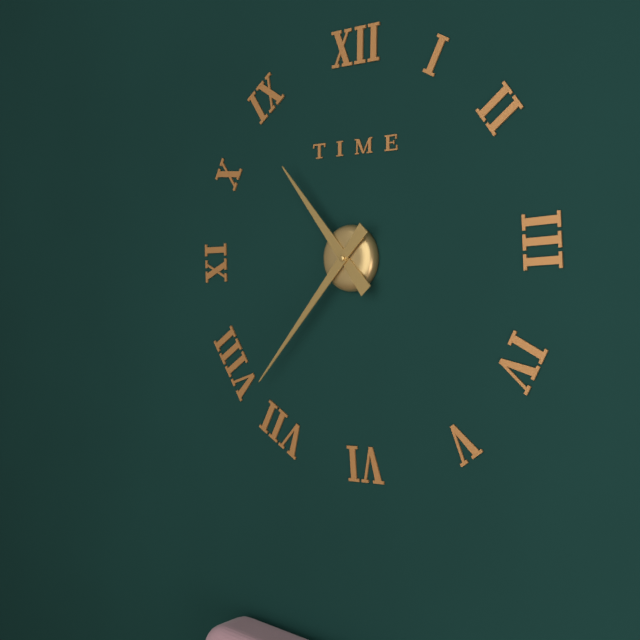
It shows 10 h 37 min
